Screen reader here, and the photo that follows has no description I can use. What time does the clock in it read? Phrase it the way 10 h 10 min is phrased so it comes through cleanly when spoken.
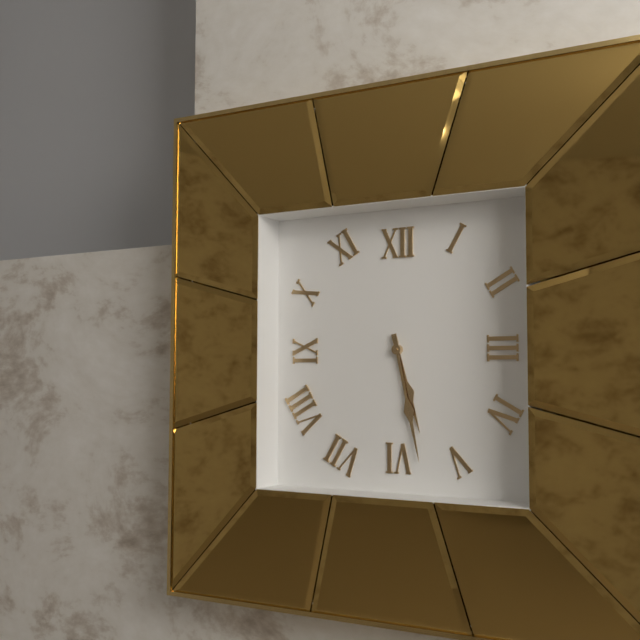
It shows 5 h 28 min
